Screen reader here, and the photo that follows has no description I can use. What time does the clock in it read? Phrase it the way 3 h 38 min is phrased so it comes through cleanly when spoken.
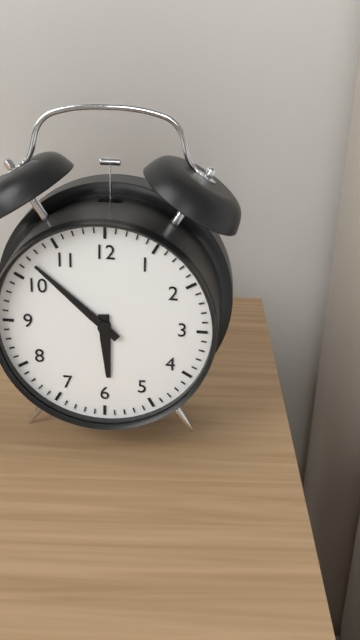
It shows 5 h 52 min
